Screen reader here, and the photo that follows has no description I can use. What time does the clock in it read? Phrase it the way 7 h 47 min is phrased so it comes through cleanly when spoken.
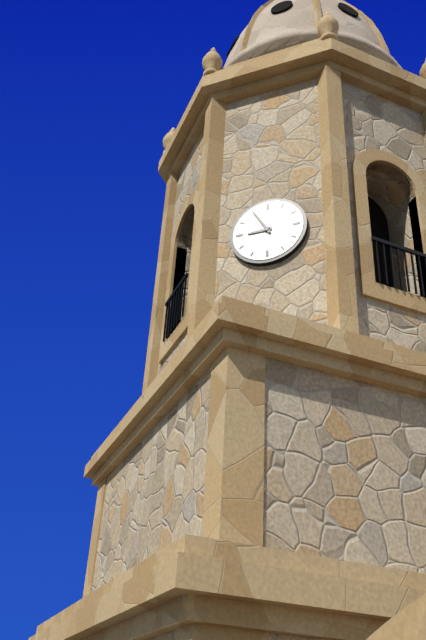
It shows 8 h 55 min
